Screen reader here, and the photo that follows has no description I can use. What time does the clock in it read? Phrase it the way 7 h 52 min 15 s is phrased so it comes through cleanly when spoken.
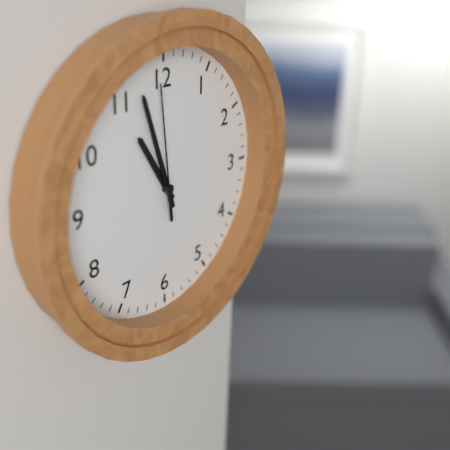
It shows 10 h 57 min 59 s
